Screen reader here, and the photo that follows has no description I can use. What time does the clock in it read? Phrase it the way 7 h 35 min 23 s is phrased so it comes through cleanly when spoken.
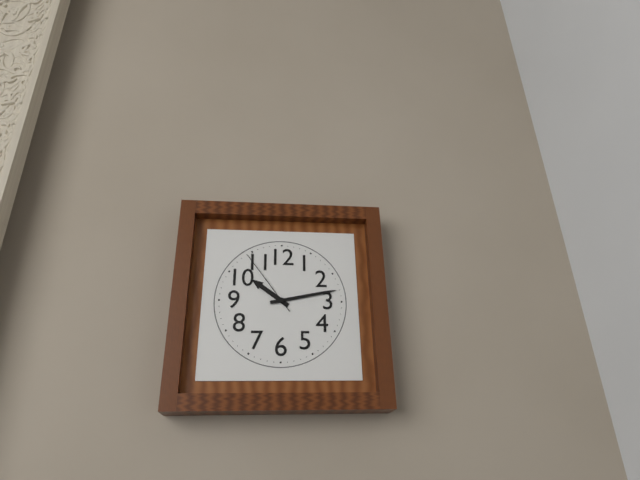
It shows 10 h 13 min 54 s
